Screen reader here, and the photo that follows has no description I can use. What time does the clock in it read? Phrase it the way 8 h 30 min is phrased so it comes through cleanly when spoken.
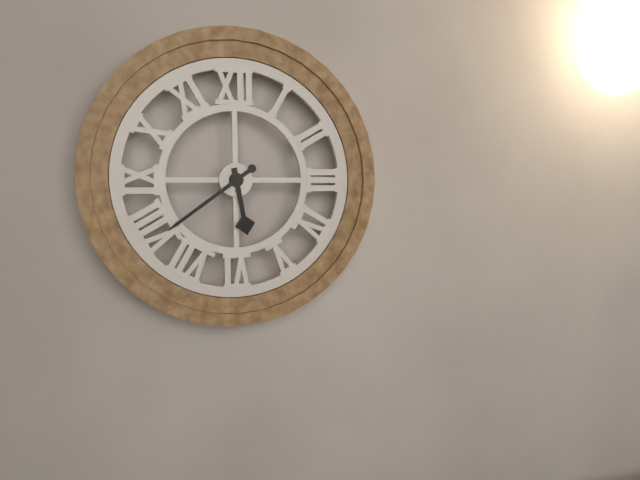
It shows 5 h 39 min
